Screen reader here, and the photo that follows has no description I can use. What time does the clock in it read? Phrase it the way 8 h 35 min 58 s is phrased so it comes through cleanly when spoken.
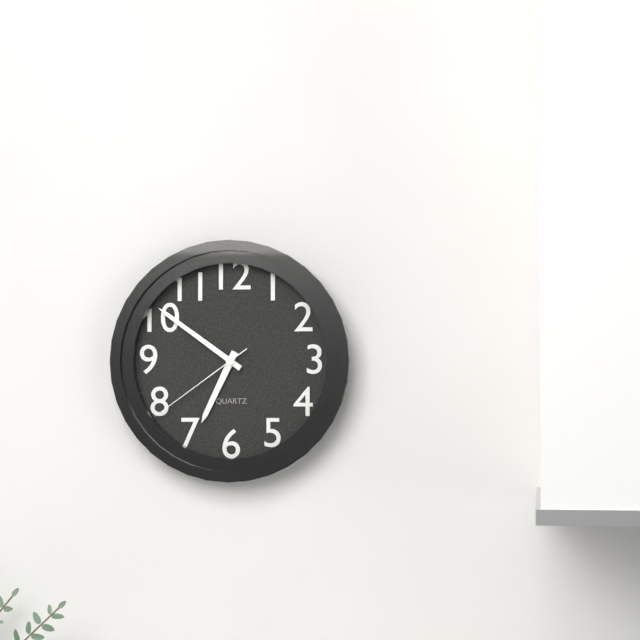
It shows 6 h 51 min 39 s
